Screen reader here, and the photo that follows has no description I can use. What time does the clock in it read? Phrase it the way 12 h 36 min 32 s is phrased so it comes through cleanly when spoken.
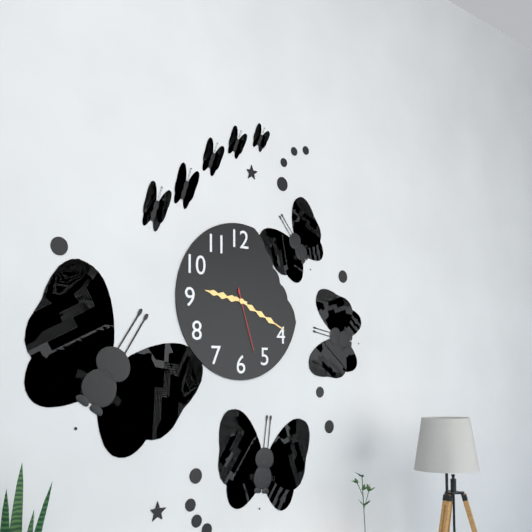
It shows 9 h 19 min 27 s
